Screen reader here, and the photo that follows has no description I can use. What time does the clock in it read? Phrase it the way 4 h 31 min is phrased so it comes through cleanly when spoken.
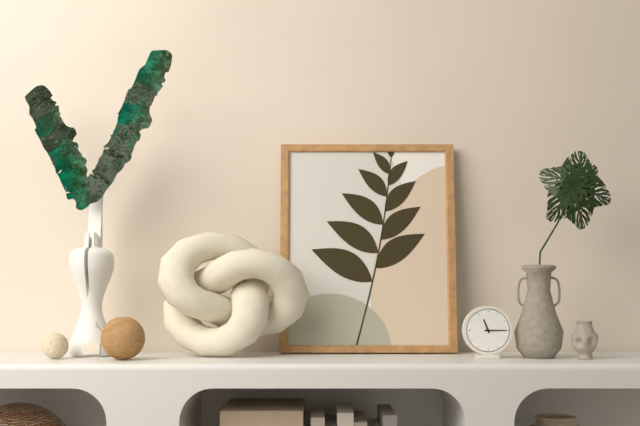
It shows 11 h 15 min
